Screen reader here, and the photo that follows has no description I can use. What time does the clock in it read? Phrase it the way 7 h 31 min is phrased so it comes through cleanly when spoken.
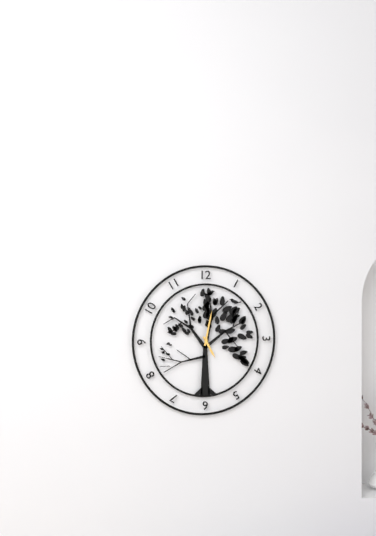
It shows 5 h 02 min
